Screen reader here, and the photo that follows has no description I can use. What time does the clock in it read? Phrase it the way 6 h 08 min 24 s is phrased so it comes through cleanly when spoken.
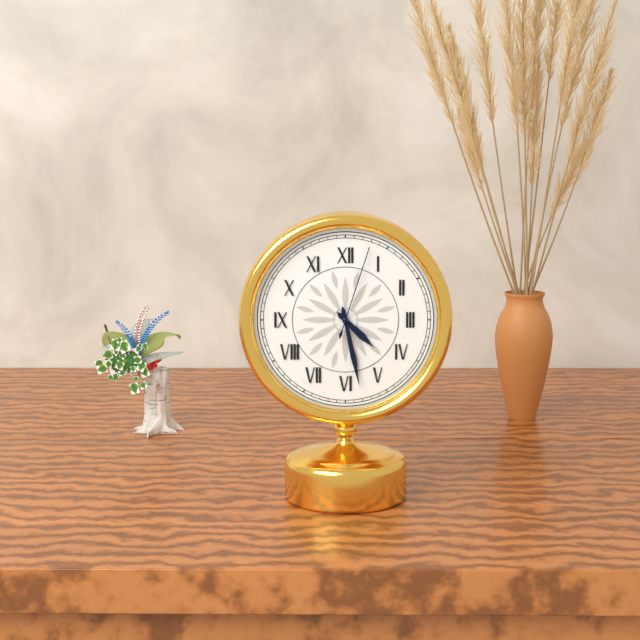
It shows 4 h 28 min 03 s
